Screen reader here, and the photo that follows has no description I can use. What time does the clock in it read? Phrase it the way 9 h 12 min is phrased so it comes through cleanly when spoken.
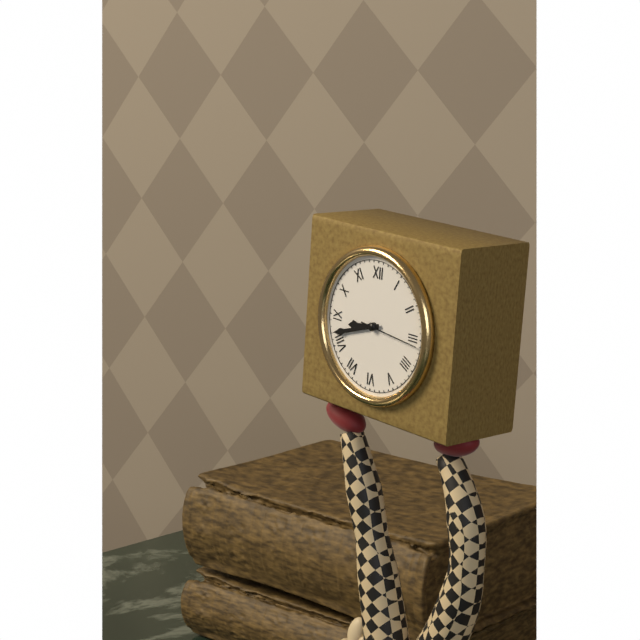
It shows 8 h 42 min
